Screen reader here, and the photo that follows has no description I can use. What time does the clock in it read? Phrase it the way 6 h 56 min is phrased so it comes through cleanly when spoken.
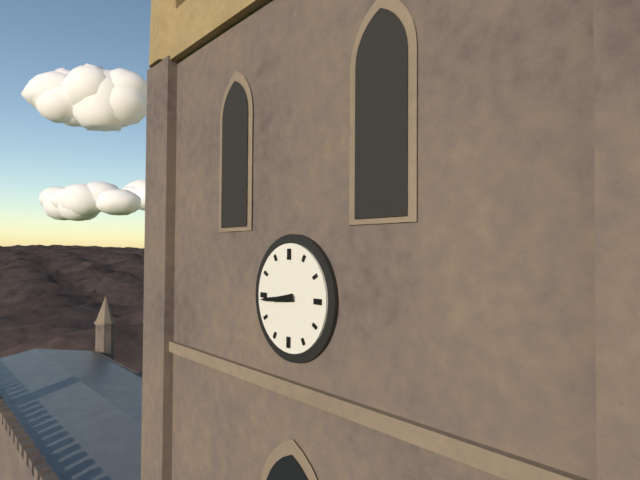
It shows 8 h 44 min
